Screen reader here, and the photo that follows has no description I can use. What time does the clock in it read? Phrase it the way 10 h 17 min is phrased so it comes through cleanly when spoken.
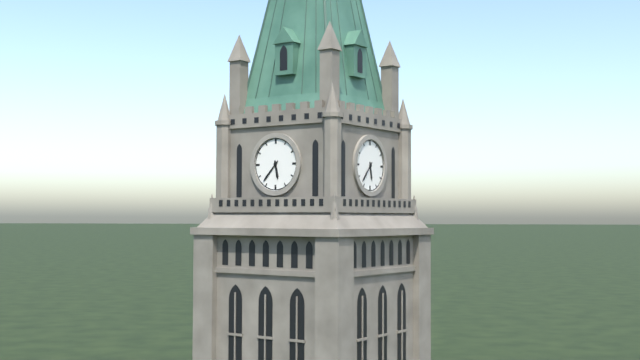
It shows 5 h 37 min
